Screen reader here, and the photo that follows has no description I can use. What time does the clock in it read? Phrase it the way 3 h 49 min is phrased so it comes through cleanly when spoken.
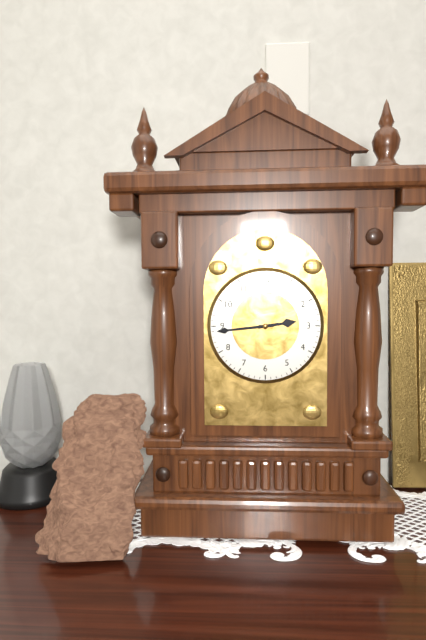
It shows 2 h 44 min
